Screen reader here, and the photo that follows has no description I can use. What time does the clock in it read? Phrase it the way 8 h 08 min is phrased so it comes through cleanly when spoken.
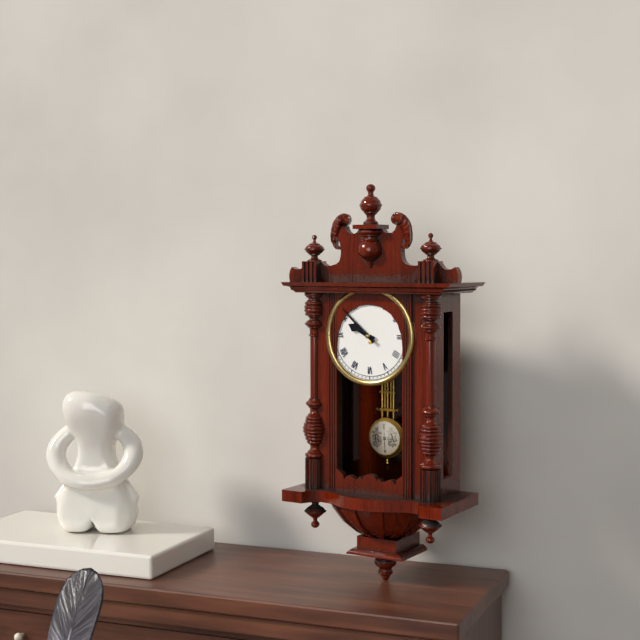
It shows 9 h 52 min
